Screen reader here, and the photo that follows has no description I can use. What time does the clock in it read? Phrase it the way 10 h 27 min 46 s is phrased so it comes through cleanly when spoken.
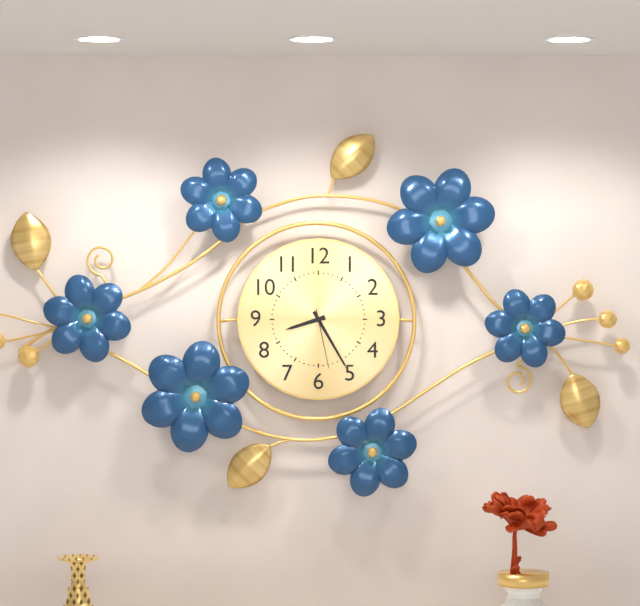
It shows 8 h 25 min 28 s
